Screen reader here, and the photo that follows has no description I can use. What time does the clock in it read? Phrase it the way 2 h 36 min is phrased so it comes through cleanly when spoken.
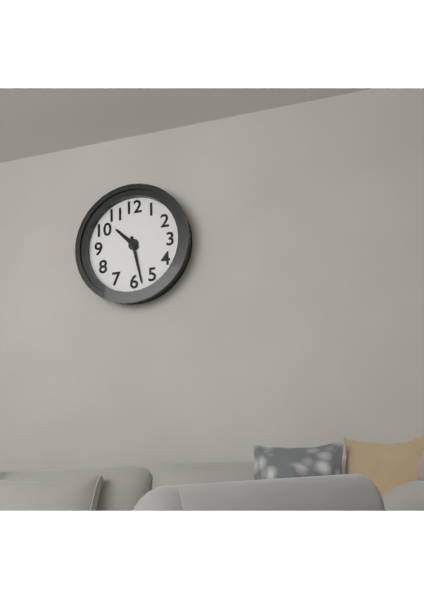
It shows 10 h 28 min
